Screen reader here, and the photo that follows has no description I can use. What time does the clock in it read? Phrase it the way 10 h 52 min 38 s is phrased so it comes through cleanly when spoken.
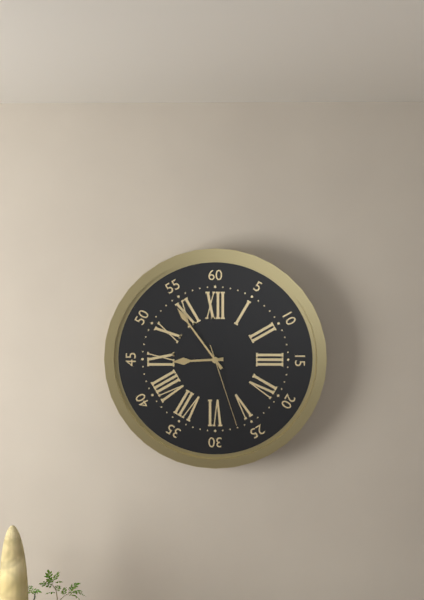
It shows 8 h 54 min 27 s
